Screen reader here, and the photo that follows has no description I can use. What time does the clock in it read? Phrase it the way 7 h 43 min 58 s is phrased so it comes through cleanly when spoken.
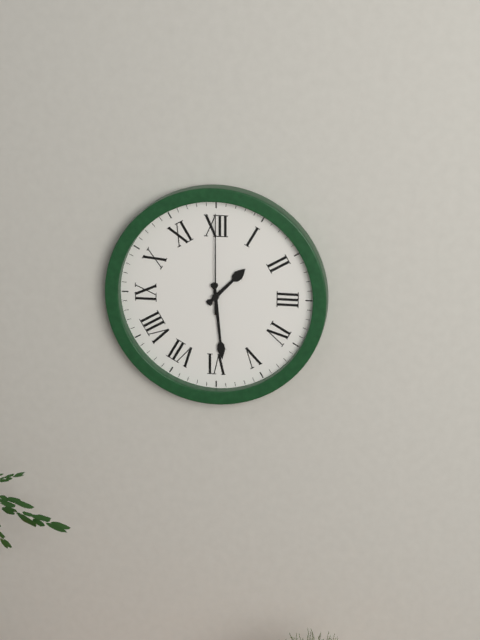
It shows 1 h 29 min 00 s
